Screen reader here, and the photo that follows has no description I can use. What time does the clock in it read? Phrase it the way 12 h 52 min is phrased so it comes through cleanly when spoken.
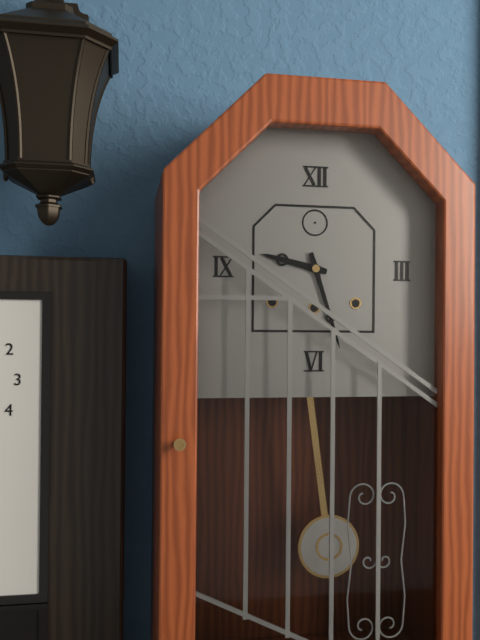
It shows 9 h 27 min
